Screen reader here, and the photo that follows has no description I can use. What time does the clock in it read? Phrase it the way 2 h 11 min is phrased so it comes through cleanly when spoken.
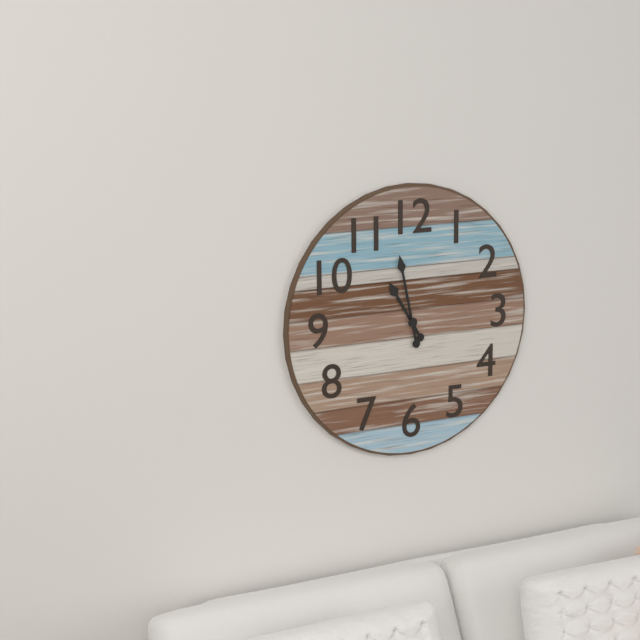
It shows 10 h 58 min
